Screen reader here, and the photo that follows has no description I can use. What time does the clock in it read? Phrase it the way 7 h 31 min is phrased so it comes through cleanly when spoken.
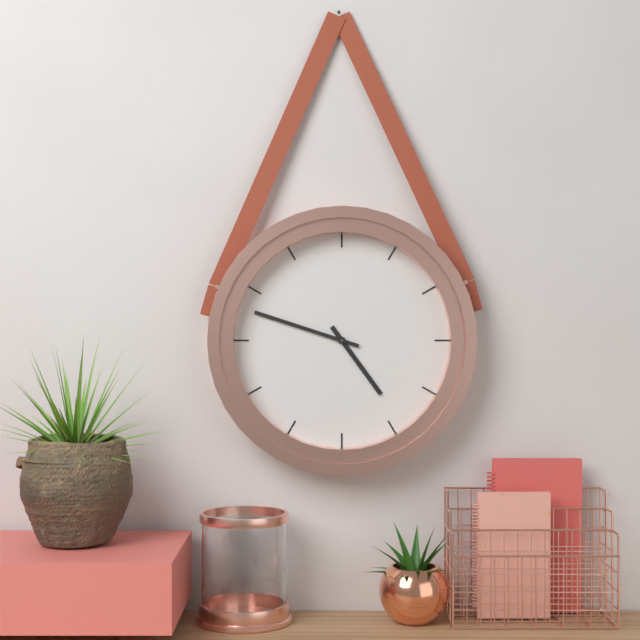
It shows 4 h 48 min
